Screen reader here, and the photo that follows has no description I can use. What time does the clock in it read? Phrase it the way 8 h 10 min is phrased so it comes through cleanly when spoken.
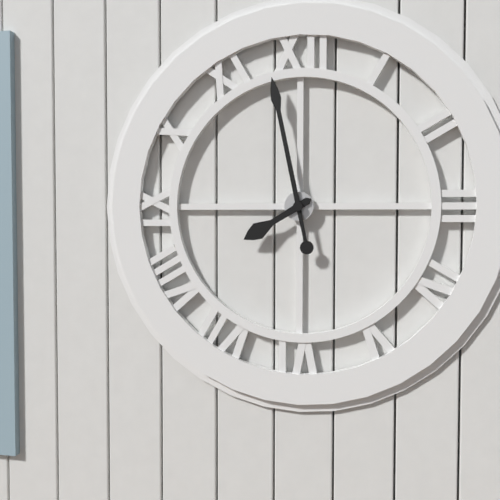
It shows 7 h 58 min
